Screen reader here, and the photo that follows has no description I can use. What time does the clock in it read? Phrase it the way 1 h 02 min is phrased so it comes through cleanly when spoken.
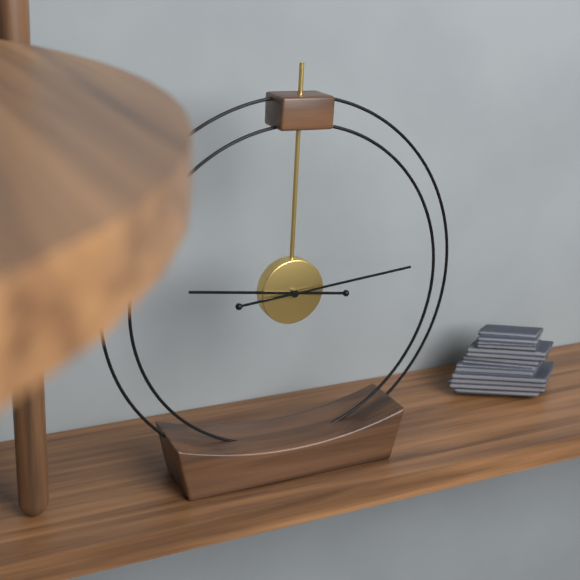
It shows 9 h 14 min
